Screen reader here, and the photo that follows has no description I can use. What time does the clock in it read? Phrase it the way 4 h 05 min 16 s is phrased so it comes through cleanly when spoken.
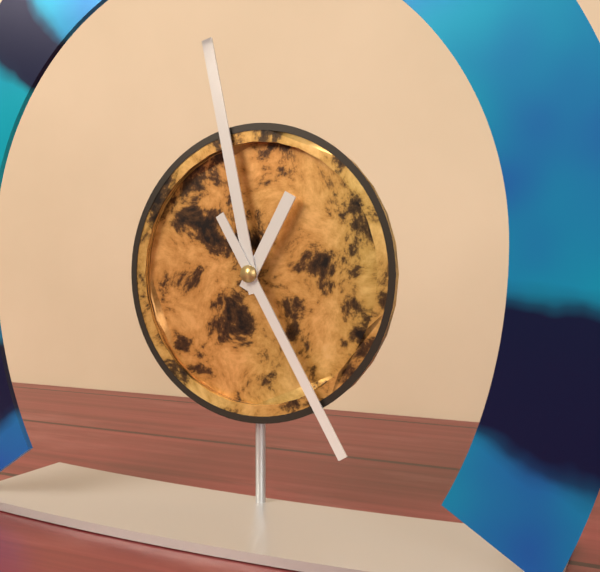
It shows 12 h 58 min 25 s
